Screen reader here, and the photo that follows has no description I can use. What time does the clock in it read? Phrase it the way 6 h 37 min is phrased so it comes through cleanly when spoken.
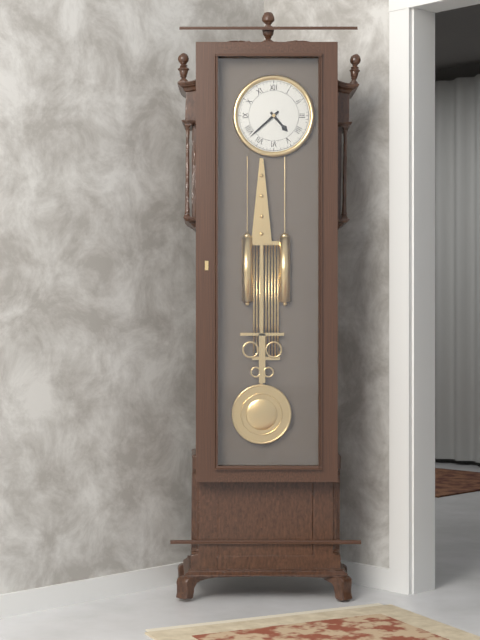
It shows 4 h 38 min
